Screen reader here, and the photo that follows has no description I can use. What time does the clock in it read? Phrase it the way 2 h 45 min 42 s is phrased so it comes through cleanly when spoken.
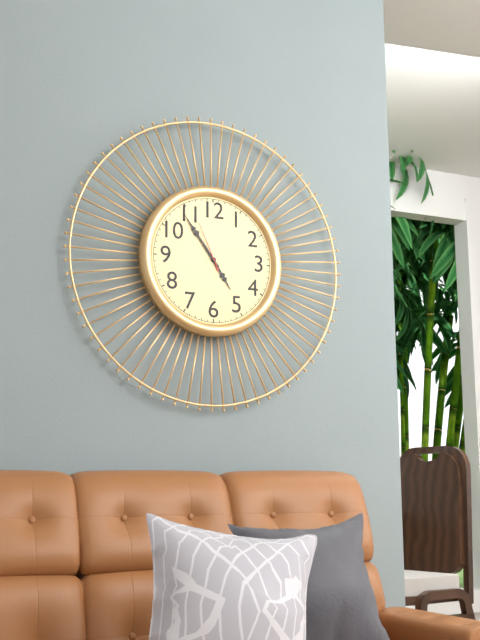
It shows 4 h 54 min 56 s
